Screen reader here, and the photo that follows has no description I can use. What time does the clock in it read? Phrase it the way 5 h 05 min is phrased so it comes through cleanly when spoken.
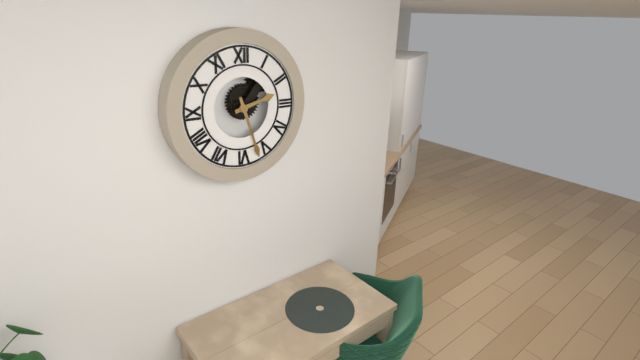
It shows 2 h 27 min
